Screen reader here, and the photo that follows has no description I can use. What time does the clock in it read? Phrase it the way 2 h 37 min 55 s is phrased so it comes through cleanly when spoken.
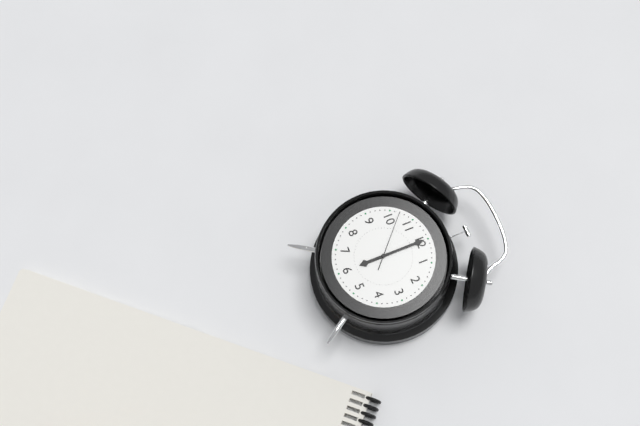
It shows 6 h 00 min 52 s
